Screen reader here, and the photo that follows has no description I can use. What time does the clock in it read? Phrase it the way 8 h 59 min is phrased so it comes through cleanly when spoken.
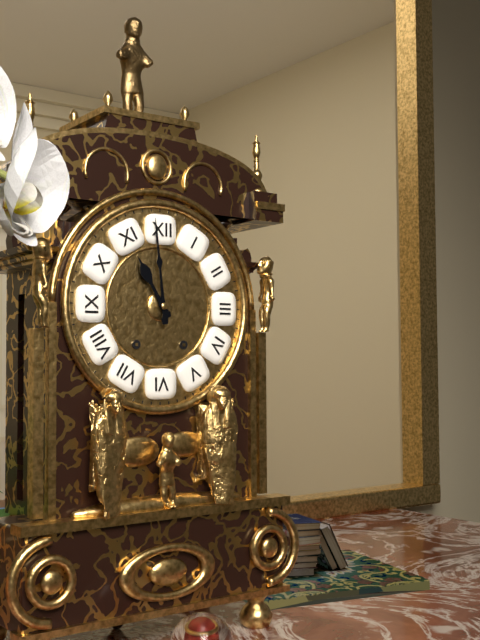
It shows 10 h 59 min
